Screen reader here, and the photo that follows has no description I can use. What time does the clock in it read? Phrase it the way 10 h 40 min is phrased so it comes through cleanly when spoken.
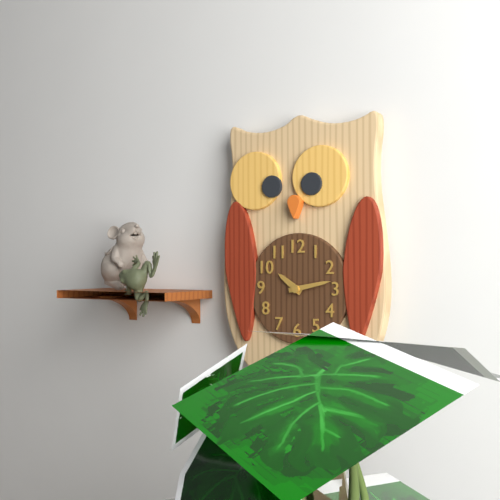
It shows 10 h 13 min
